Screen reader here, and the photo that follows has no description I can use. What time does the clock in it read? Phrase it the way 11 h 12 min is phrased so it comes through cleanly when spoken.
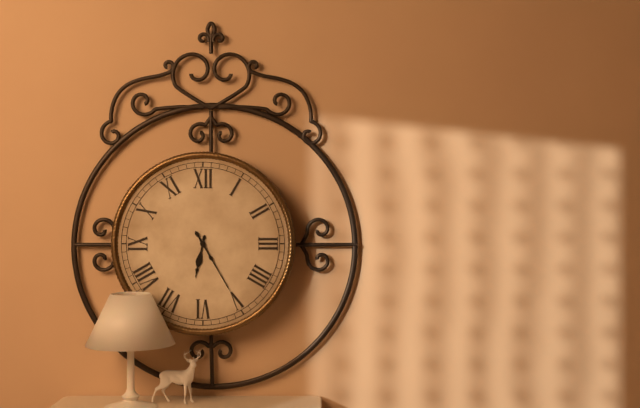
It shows 6 h 25 min
